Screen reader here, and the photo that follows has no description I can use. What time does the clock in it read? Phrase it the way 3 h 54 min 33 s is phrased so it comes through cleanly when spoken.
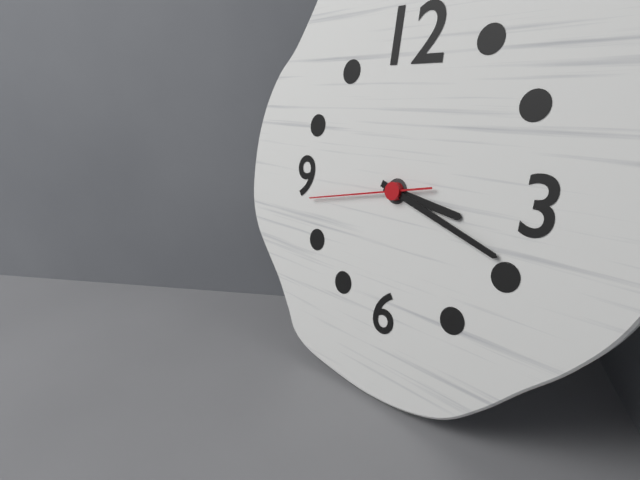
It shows 3 h 18 min 43 s
